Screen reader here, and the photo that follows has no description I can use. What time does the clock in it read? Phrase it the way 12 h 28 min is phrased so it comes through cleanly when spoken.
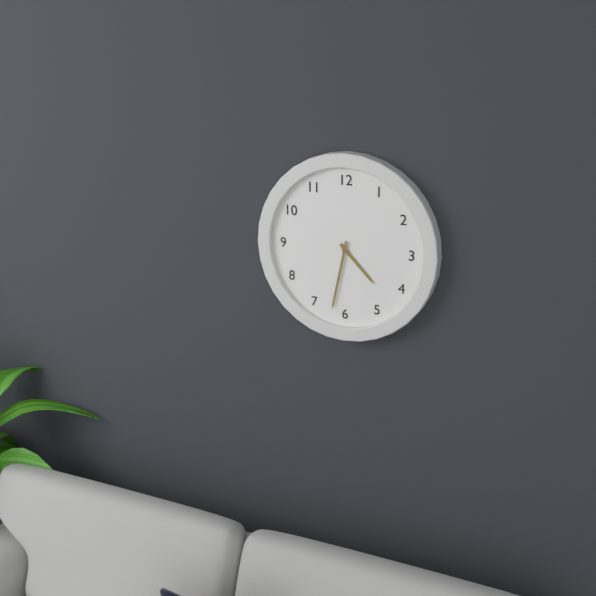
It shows 4 h 32 min
